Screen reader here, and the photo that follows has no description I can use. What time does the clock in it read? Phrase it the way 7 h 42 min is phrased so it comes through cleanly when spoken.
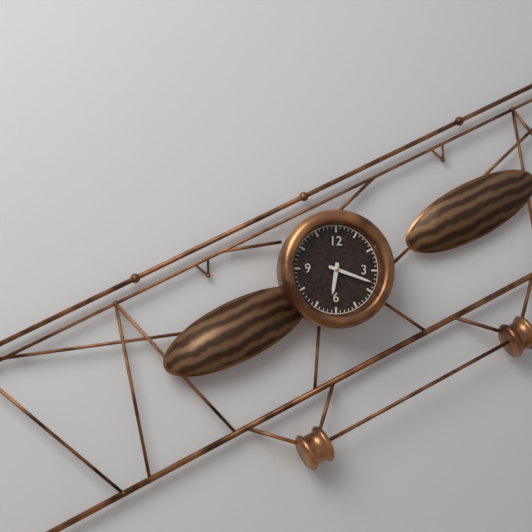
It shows 6 h 18 min
